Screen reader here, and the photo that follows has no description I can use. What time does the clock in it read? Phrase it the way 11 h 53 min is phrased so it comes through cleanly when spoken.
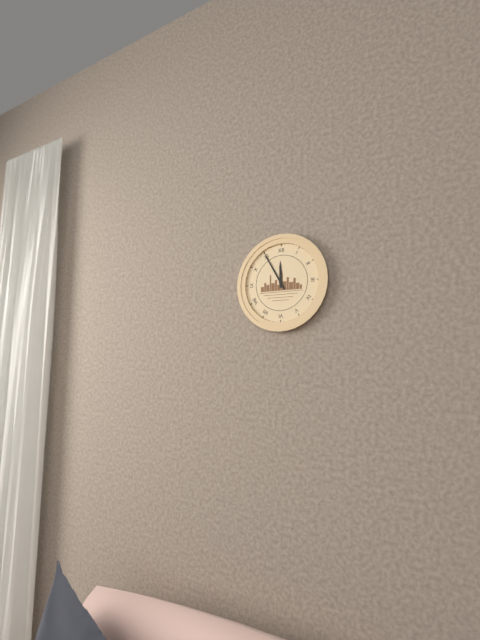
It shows 11 h 55 min
